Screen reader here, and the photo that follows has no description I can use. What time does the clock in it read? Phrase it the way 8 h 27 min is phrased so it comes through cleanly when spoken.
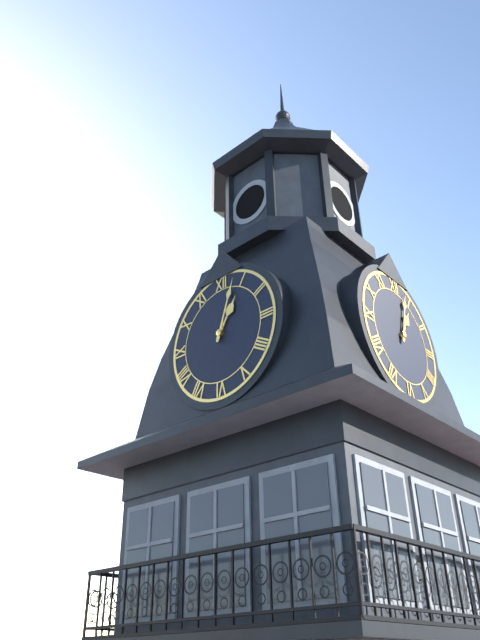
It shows 1 h 03 min
